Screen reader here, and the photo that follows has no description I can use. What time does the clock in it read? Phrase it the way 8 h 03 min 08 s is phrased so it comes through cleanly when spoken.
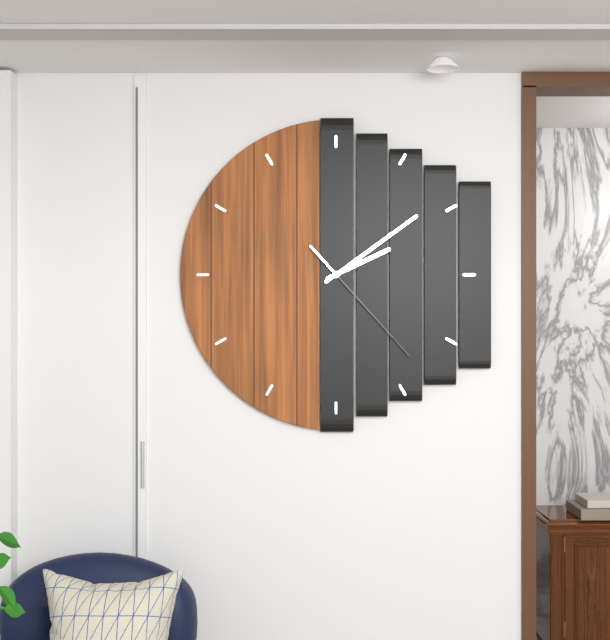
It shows 2 h 09 min 23 s
